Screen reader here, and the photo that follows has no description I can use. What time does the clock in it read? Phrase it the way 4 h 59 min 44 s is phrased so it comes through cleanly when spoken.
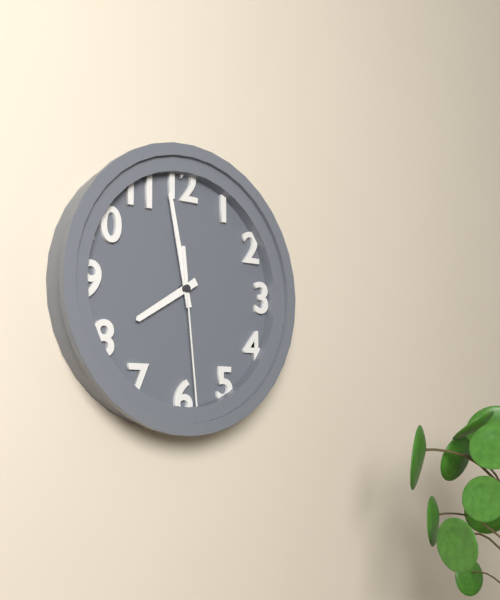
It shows 7 h 58 min 29 s
